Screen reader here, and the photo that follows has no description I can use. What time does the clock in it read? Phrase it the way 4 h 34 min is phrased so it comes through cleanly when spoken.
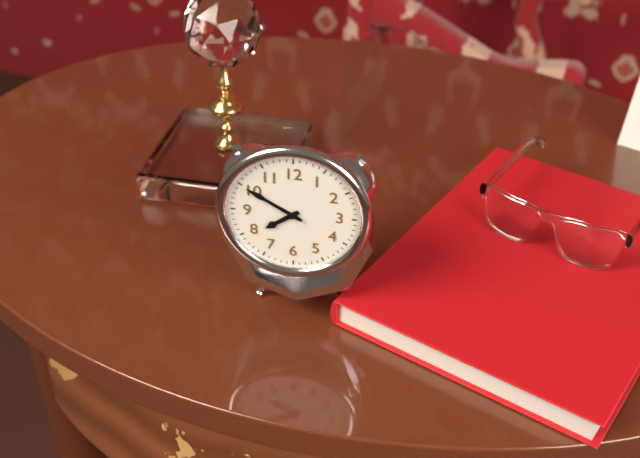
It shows 7 h 50 min
